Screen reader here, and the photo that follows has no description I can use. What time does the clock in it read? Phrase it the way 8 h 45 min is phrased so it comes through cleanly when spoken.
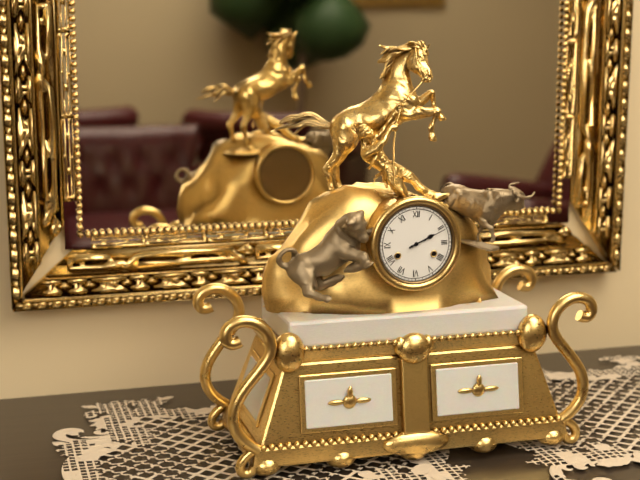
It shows 2 h 11 min
